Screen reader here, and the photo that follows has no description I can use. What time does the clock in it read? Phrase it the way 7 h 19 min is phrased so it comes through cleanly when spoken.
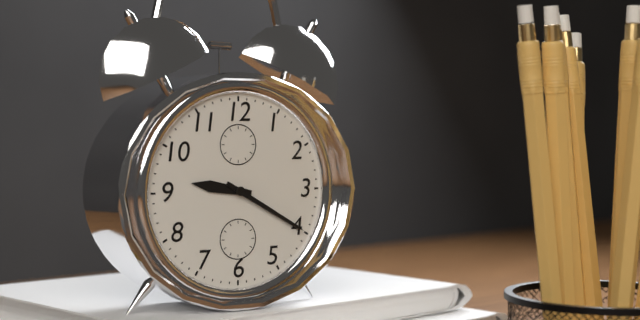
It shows 9 h 20 min
